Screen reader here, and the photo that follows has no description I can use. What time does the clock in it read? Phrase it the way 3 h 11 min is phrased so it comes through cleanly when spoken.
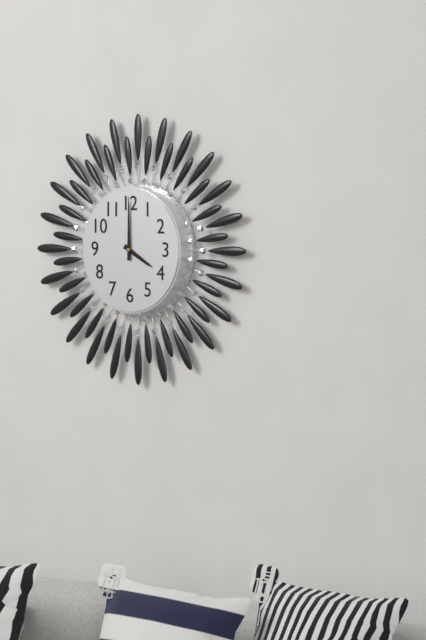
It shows 4 h 00 min
